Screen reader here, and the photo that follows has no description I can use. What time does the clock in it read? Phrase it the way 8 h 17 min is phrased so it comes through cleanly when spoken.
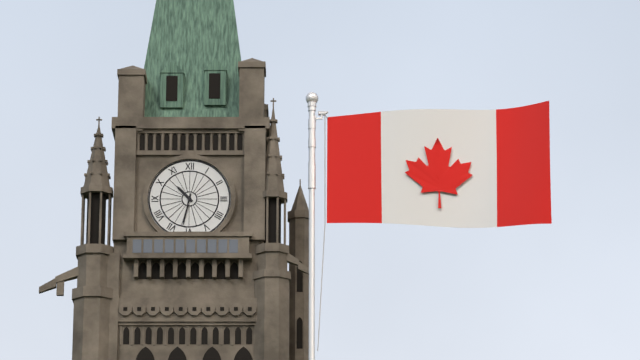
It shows 10 h 32 min
